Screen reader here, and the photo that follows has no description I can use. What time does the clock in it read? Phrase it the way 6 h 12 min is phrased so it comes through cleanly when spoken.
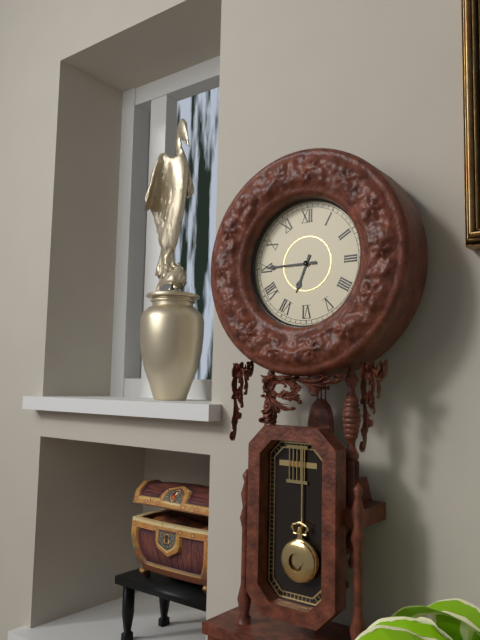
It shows 6 h 45 min
